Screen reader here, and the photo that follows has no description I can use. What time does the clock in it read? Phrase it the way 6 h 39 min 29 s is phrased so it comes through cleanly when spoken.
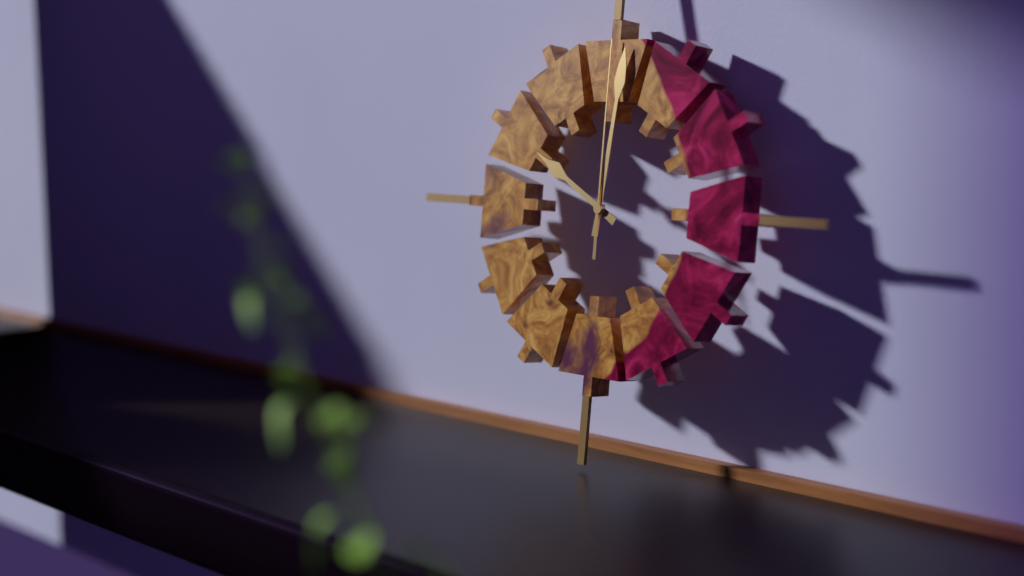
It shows 10 h 01 min 00 s
